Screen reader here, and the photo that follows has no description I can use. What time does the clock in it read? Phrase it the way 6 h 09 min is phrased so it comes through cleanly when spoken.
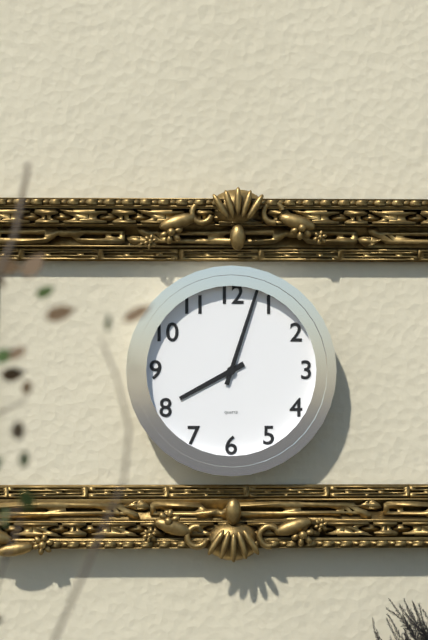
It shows 8 h 03 min
